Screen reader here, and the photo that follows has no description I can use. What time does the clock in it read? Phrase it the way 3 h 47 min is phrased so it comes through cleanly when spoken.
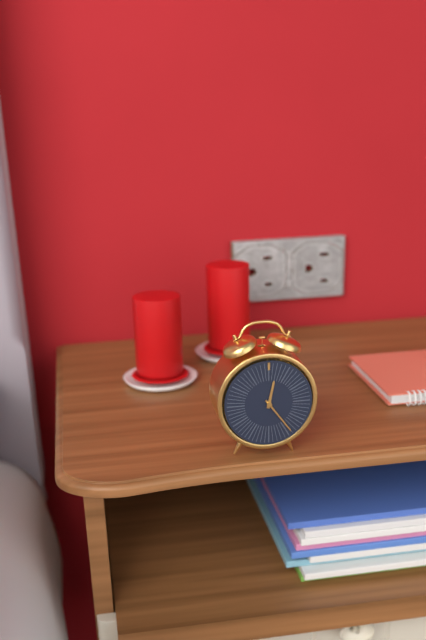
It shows 12 h 24 min
